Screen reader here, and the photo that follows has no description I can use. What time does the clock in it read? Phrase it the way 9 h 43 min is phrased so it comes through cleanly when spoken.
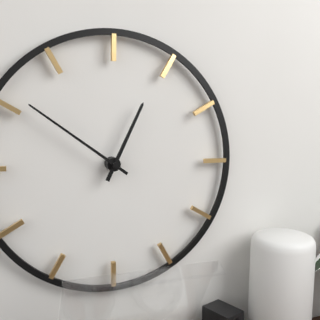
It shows 12 h 51 min
